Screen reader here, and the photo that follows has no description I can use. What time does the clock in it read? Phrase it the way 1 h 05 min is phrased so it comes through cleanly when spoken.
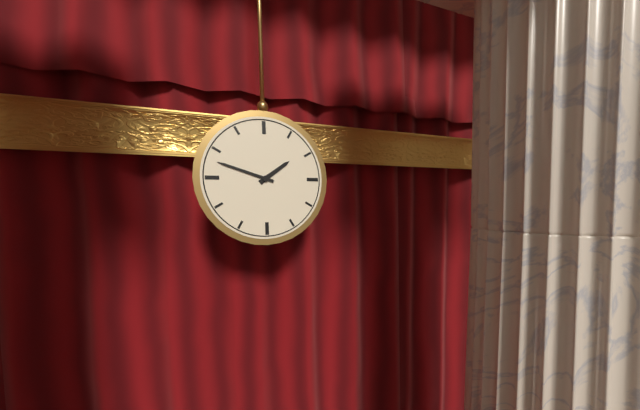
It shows 1 h 48 min
